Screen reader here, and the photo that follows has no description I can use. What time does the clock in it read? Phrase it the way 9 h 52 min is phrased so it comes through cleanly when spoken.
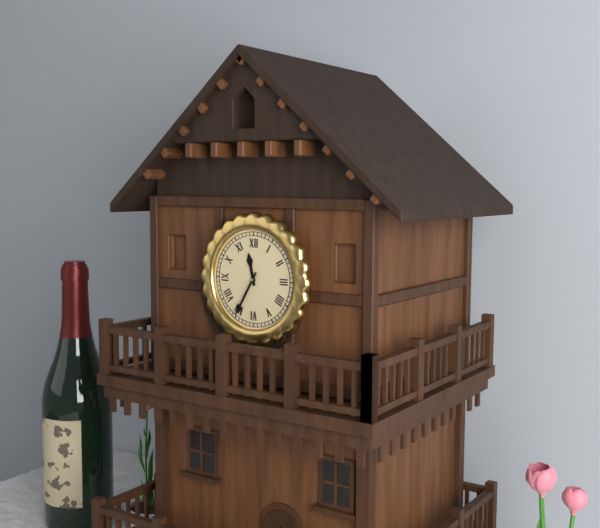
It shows 11 h 35 min
